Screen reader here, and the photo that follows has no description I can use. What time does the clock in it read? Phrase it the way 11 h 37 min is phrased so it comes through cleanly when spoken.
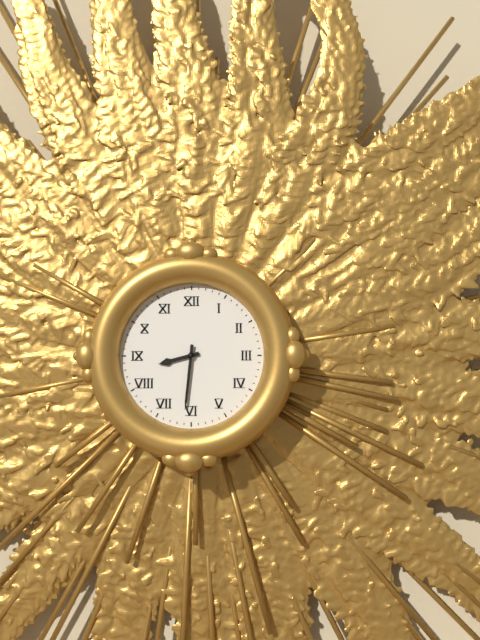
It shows 8 h 31 min
